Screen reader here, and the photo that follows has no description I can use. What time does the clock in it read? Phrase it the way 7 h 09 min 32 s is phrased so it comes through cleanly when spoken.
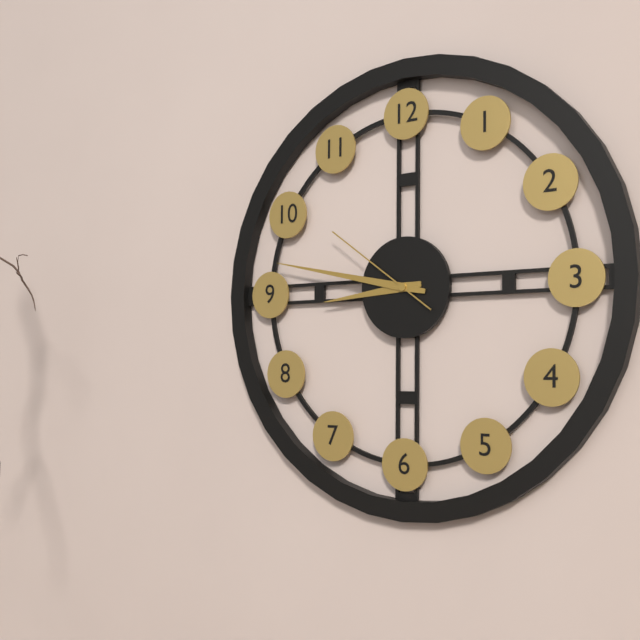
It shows 8 h 47 min 51 s
